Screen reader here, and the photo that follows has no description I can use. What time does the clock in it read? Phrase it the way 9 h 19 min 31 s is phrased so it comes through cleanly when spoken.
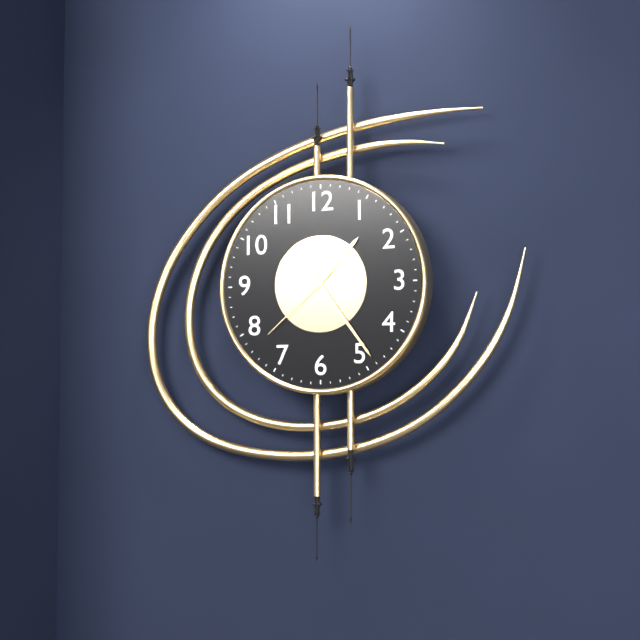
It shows 1 h 24 min 38 s
